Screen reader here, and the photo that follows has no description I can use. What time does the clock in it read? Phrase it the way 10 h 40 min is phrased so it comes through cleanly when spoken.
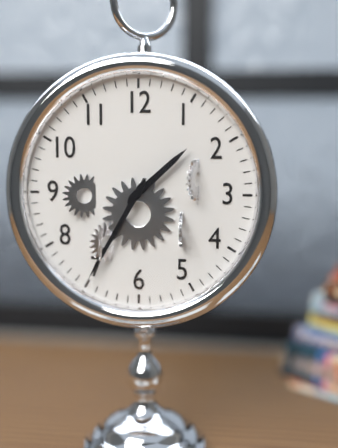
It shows 1 h 35 min
